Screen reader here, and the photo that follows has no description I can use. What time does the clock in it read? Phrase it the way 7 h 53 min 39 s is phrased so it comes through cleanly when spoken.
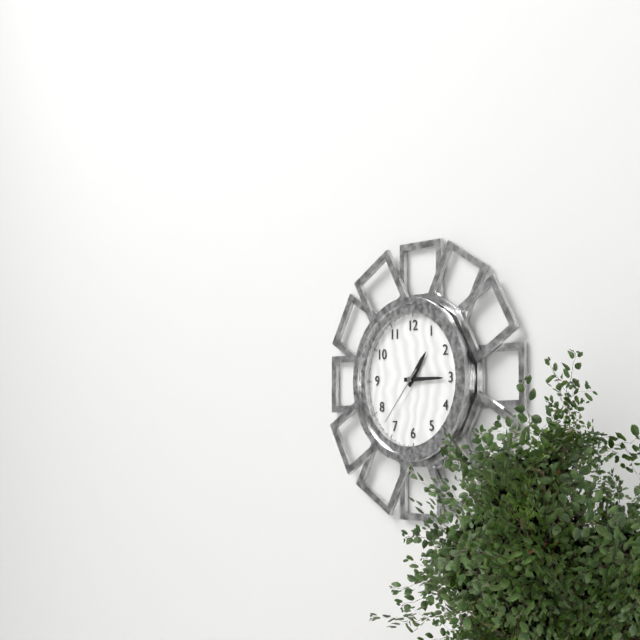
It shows 1 h 15 min 37 s
